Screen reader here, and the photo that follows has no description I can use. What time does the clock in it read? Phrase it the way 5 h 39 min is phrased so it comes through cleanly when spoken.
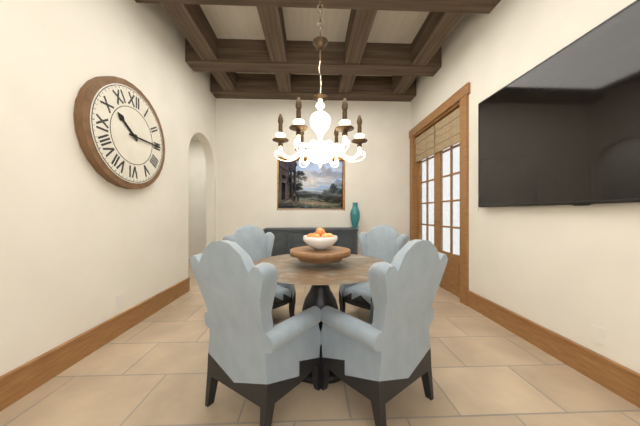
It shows 10 h 15 min
